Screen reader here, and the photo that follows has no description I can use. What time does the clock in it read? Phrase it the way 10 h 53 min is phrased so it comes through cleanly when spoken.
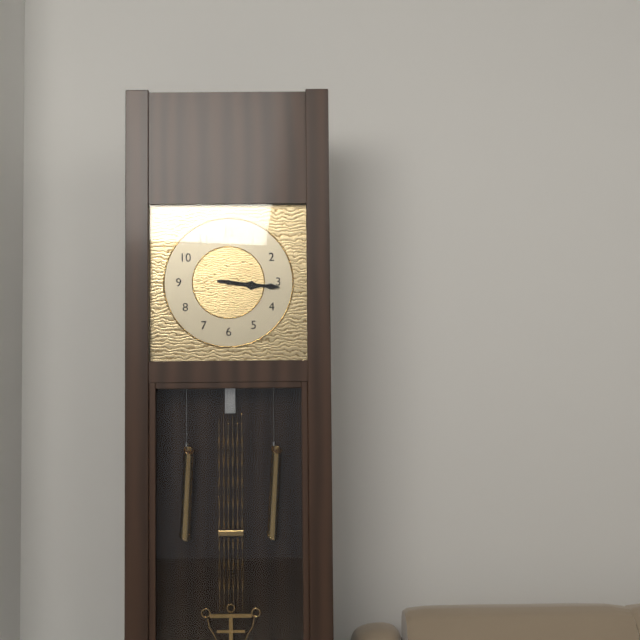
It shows 3 h 16 min
